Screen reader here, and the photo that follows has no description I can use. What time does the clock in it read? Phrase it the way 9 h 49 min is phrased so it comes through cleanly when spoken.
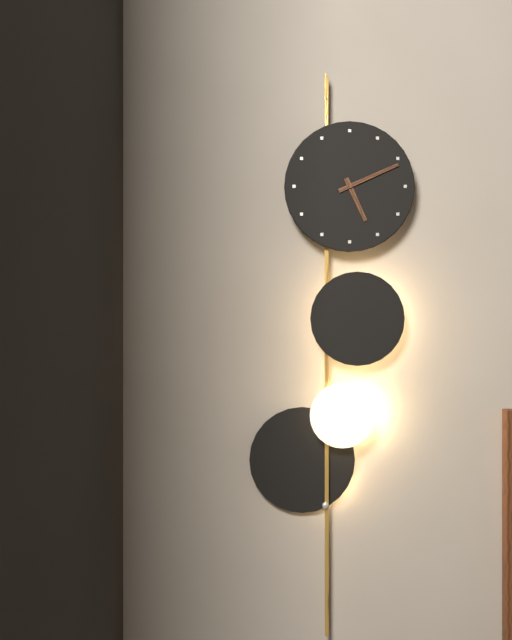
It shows 5 h 11 min
